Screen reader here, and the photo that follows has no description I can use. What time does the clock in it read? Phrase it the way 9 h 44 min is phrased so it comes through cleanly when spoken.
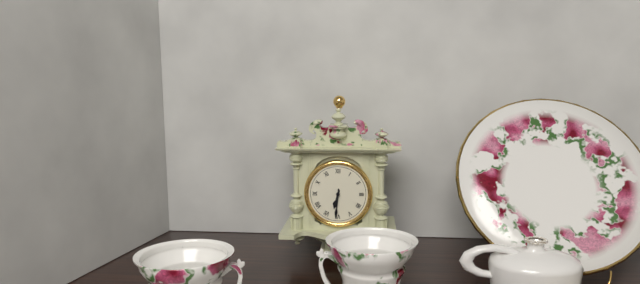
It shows 6 h 31 min
